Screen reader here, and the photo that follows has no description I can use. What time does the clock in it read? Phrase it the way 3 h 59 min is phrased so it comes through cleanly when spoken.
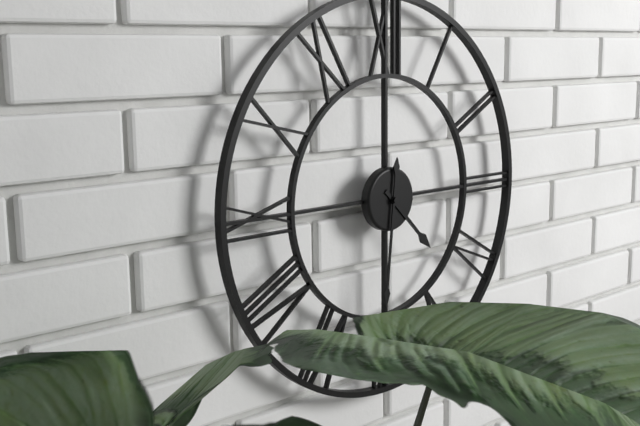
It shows 4 h 31 min
